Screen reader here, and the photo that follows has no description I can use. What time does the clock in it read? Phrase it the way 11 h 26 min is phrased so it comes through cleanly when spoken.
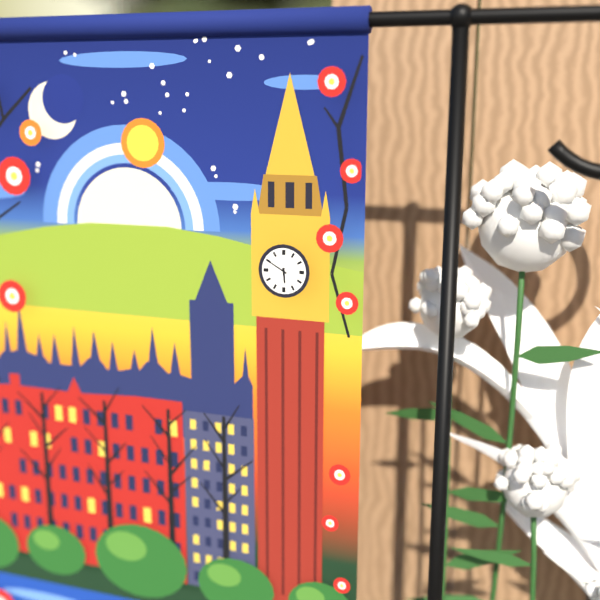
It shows 5 h 50 min
